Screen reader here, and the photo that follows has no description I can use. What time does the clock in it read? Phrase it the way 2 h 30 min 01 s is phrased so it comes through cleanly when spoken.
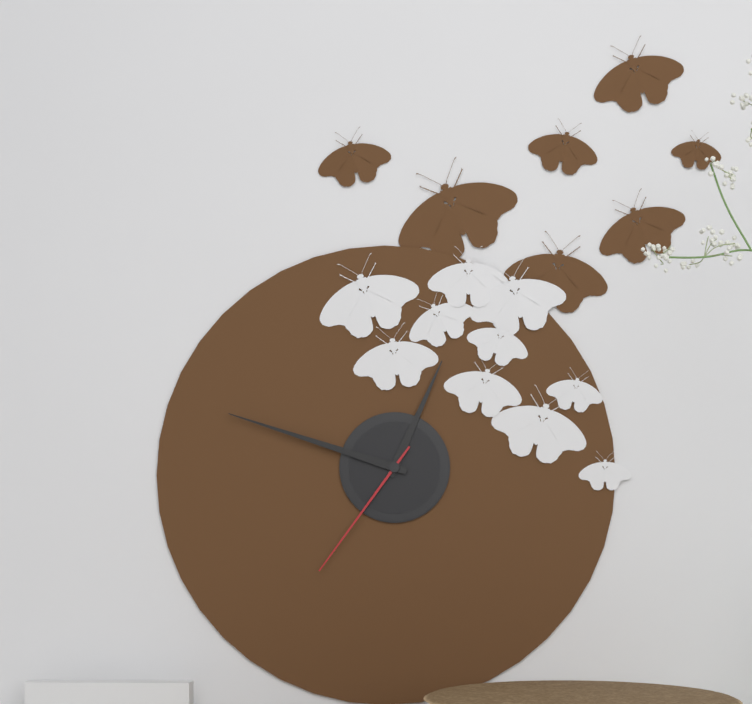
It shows 12 h 48 min 36 s
